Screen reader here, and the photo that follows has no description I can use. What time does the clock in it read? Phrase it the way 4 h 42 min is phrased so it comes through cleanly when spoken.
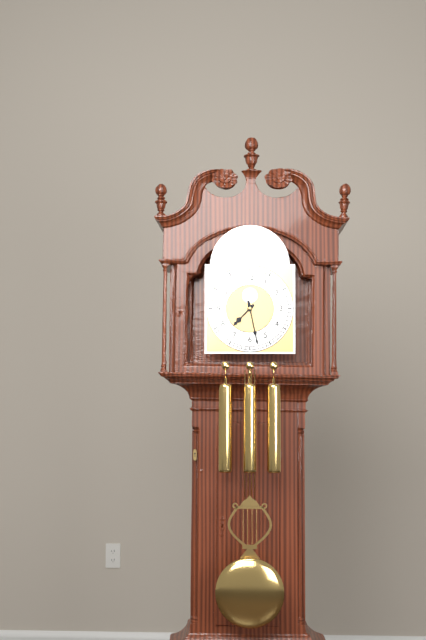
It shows 7 h 28 min
